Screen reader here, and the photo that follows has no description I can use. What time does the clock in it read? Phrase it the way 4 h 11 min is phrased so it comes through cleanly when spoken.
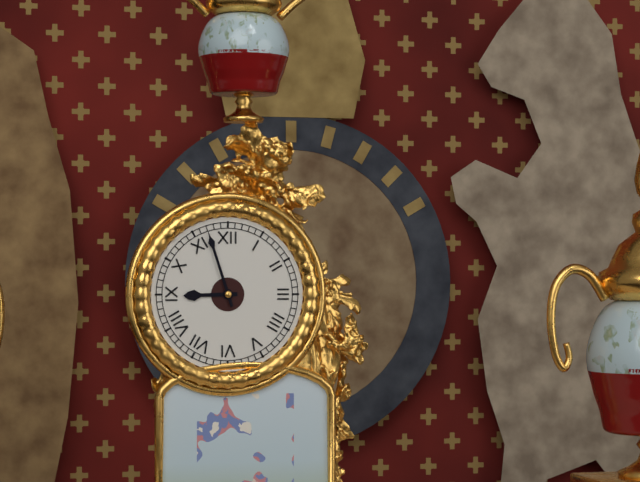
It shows 8 h 57 min
